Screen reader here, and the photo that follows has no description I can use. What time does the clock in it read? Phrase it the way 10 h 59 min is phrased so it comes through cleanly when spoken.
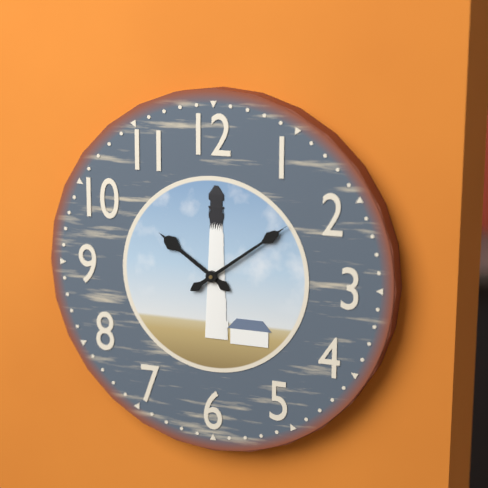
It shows 10 h 09 min
